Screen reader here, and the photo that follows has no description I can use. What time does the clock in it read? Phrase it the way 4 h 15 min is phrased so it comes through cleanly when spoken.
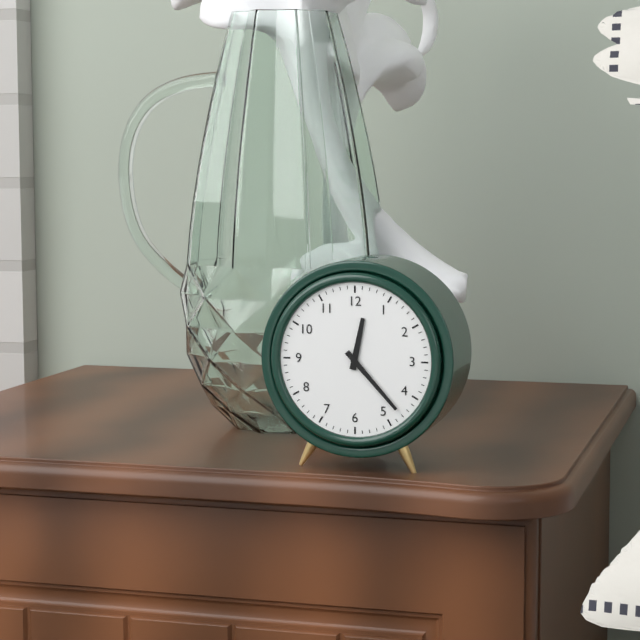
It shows 12 h 23 min
